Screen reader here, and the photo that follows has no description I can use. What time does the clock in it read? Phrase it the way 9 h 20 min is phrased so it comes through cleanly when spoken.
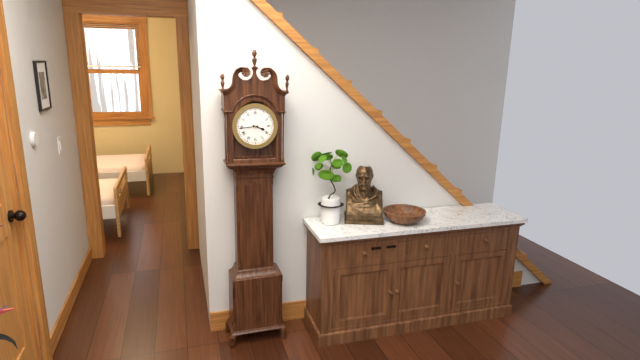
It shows 3 h 44 min
